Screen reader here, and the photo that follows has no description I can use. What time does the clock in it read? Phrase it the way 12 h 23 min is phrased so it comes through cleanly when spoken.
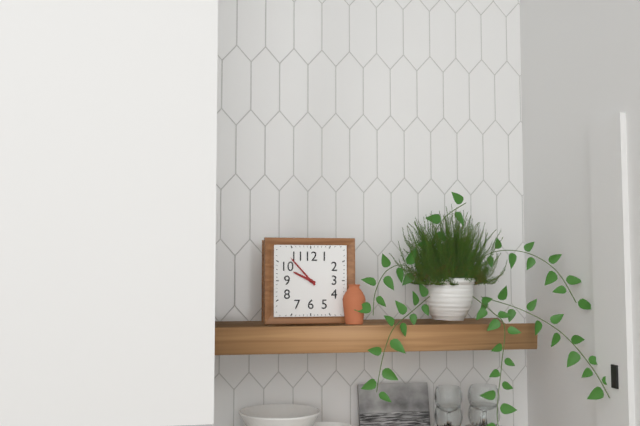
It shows 9 h 53 min
